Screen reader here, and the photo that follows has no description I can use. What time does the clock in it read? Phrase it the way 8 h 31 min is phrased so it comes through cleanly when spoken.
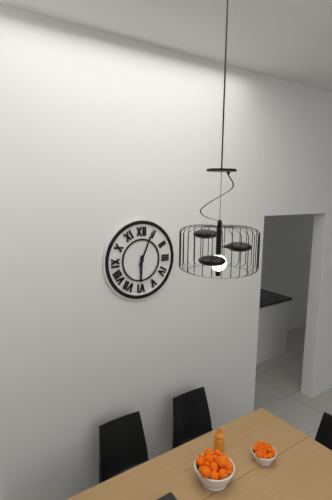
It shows 6 h 04 min
